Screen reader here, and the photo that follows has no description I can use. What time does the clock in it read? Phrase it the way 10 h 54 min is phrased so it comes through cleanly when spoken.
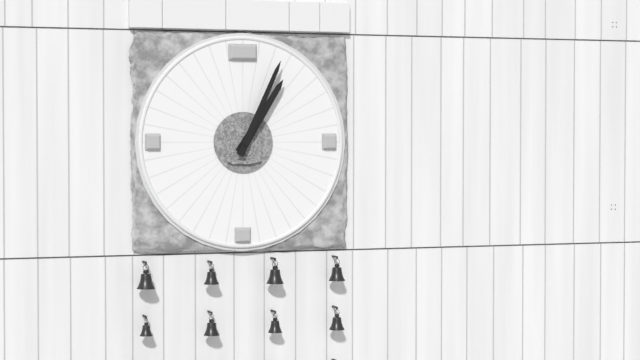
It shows 1 h 04 min
